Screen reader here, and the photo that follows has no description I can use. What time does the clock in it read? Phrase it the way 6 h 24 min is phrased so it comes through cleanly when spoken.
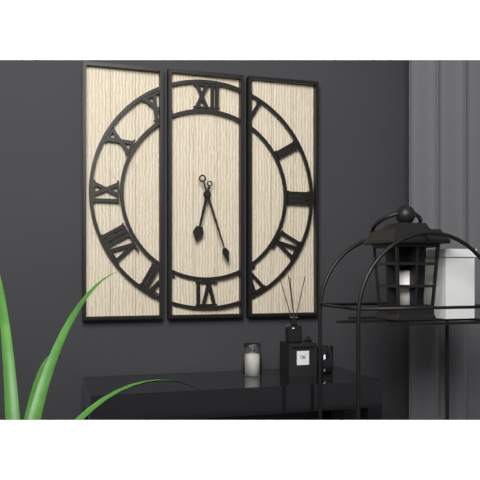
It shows 6 h 27 min
